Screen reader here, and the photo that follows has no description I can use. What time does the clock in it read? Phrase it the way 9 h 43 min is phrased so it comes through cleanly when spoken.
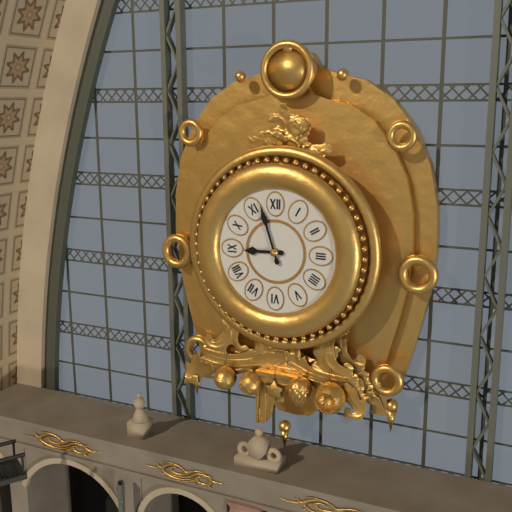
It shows 8 h 57 min
